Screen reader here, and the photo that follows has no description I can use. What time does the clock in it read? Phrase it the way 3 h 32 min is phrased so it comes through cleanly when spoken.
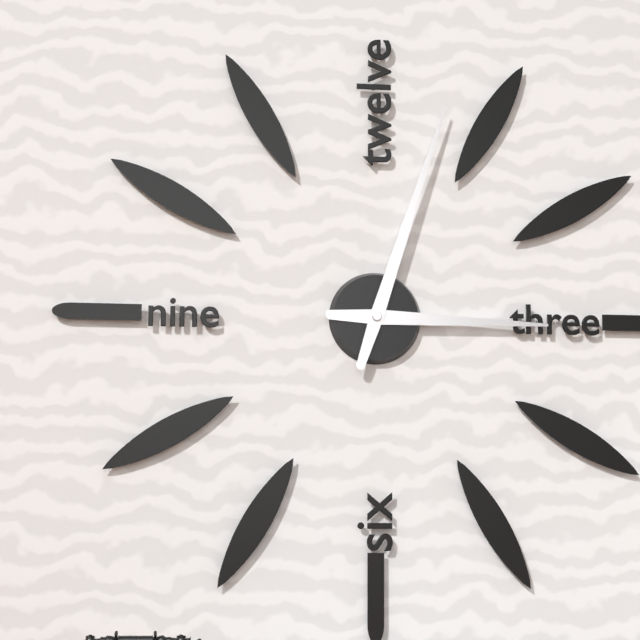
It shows 3 h 03 min
